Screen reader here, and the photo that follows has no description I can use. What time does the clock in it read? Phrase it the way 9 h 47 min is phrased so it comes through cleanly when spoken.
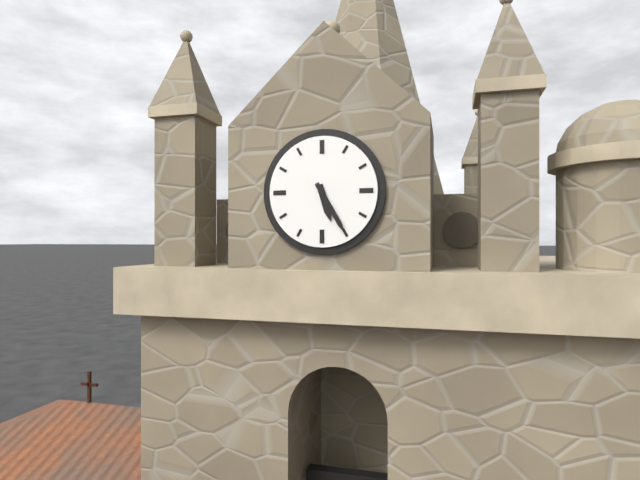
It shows 5 h 25 min
